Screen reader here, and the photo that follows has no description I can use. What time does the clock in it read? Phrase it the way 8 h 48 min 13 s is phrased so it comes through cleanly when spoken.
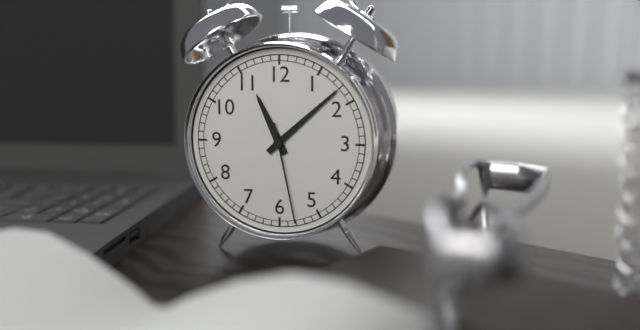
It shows 11 h 08 min 28 s
